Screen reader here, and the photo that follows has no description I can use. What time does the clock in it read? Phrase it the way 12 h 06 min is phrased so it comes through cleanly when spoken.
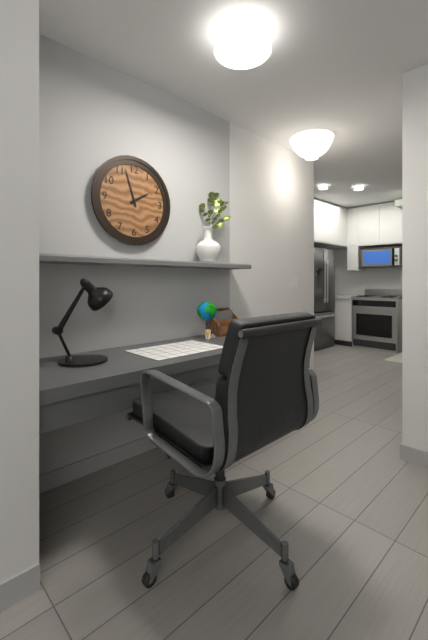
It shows 1 h 57 min
